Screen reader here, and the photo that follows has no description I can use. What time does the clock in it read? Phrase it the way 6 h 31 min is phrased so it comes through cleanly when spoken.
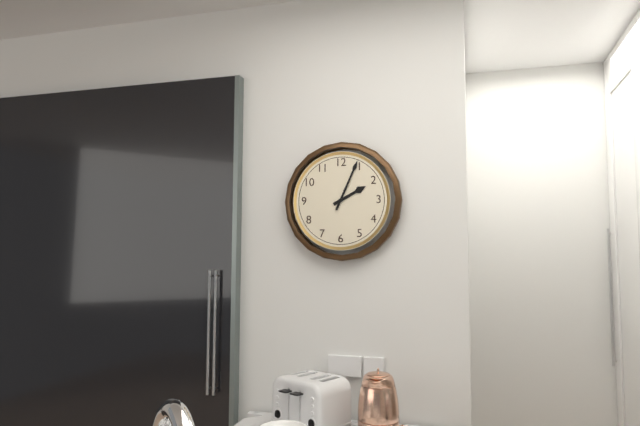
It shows 2 h 04 min
